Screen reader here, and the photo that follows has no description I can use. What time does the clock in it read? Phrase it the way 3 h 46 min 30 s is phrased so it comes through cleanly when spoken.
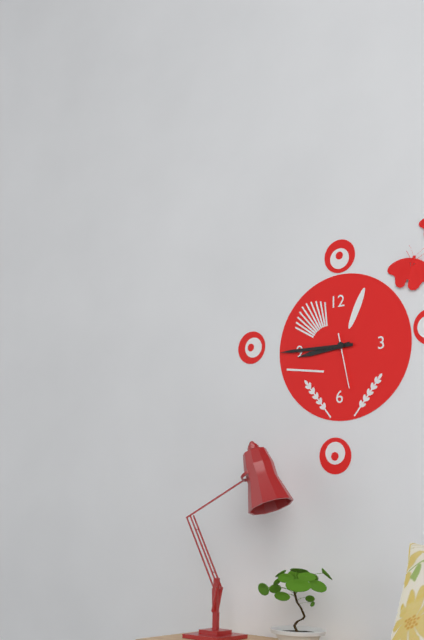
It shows 8 h 45 min 28 s
